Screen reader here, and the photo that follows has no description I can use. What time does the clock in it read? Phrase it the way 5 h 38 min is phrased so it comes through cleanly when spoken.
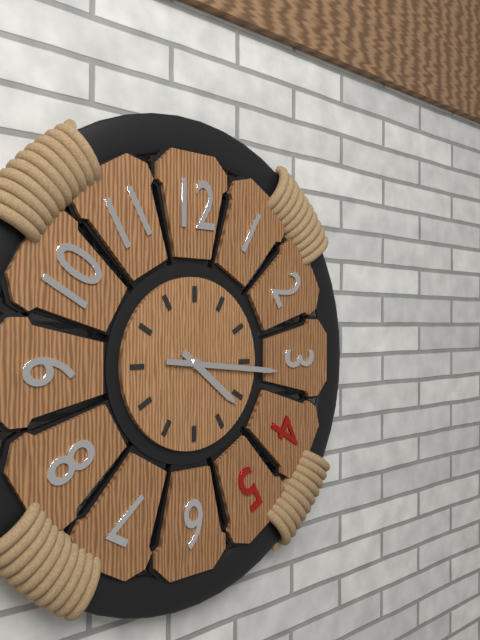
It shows 4 h 16 min
